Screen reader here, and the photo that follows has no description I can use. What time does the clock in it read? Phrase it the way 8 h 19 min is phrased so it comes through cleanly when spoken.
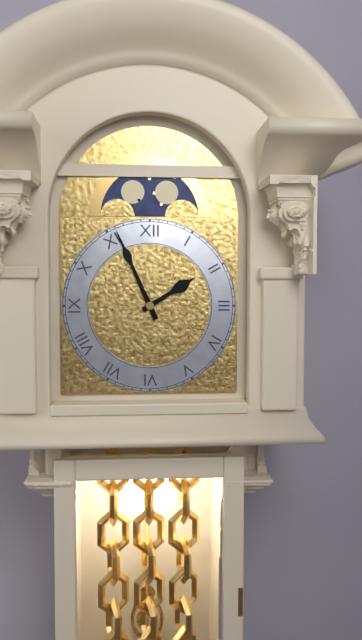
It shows 1 h 56 min
